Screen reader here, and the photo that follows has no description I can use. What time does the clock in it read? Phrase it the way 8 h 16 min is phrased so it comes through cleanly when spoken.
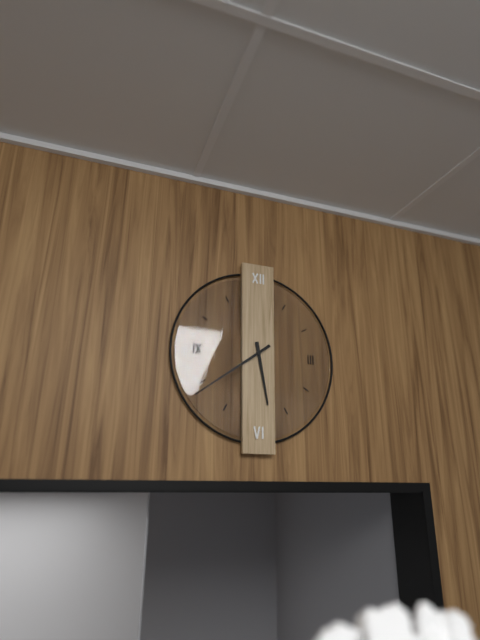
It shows 5 h 39 min
